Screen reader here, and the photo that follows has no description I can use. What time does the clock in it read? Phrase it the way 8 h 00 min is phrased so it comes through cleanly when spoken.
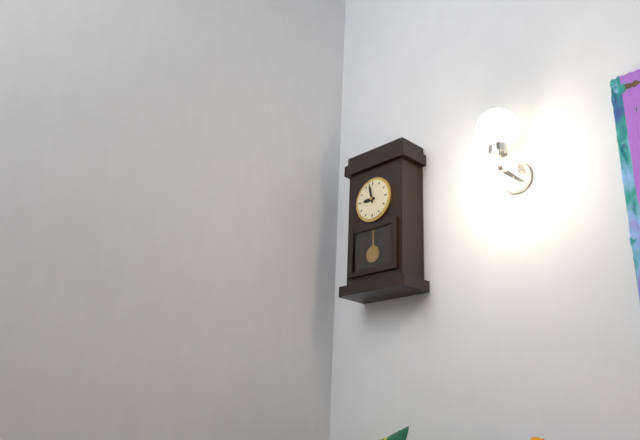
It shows 8 h 58 min
